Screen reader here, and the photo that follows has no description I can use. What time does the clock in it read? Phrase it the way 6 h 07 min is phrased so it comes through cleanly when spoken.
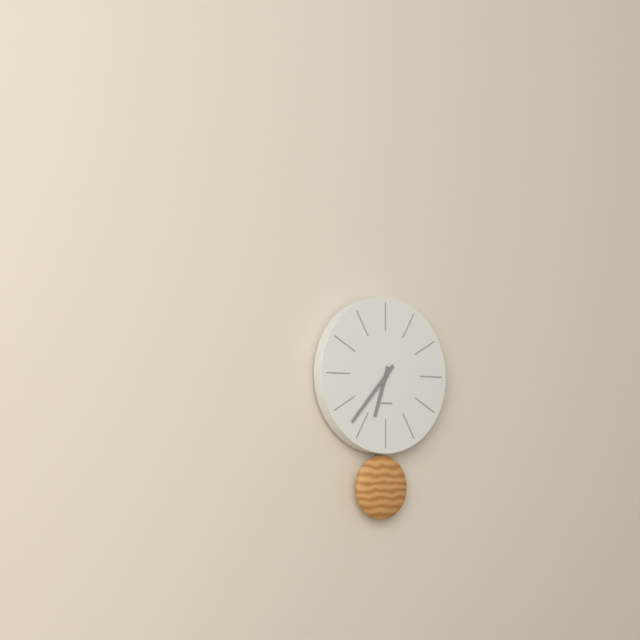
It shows 6 h 37 min
